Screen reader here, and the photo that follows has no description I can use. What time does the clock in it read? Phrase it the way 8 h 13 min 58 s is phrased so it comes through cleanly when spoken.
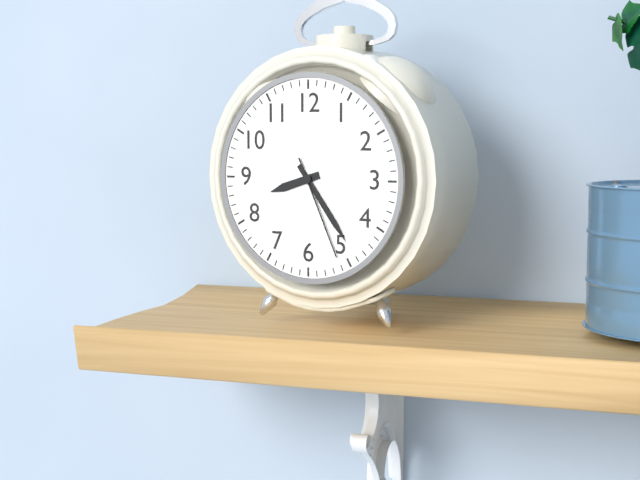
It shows 8 h 24 min 26 s
